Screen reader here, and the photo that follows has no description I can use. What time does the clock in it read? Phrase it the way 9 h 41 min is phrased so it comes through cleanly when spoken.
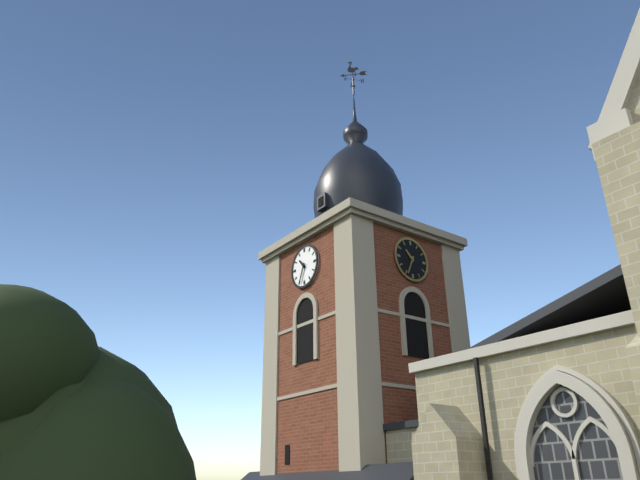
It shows 10 h 34 min
